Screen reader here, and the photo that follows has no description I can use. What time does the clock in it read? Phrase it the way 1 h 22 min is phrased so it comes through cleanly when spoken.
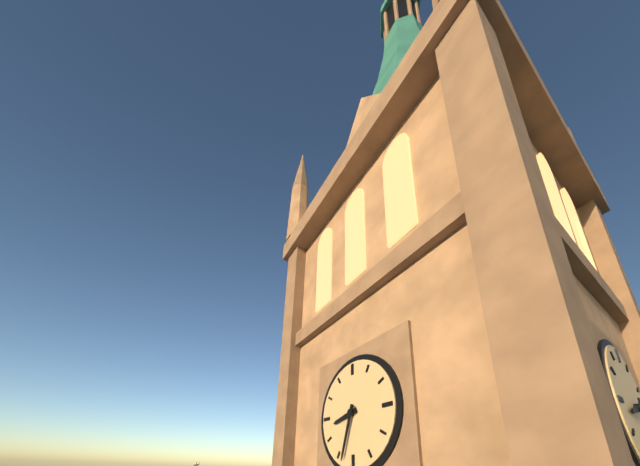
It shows 8 h 33 min
